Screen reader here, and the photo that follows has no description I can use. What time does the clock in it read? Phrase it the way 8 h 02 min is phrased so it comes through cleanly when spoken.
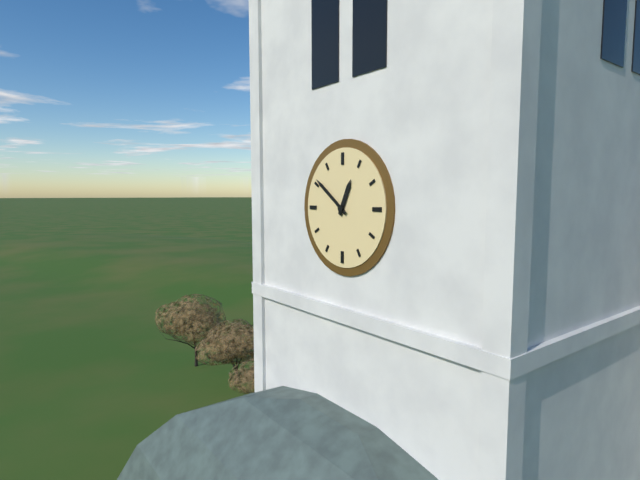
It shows 12 h 51 min
